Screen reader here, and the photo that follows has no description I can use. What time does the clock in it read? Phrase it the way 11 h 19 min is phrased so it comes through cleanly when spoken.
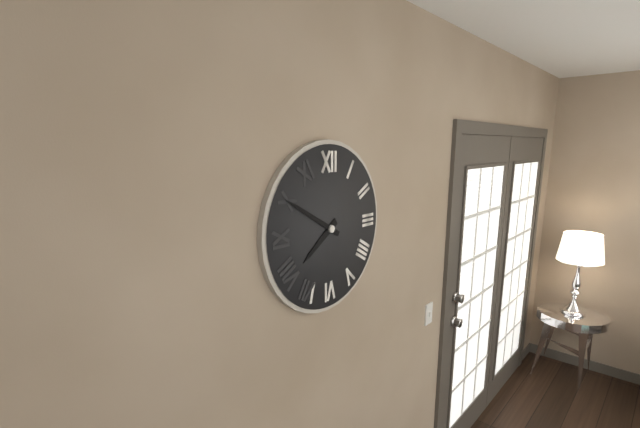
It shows 7 h 50 min
